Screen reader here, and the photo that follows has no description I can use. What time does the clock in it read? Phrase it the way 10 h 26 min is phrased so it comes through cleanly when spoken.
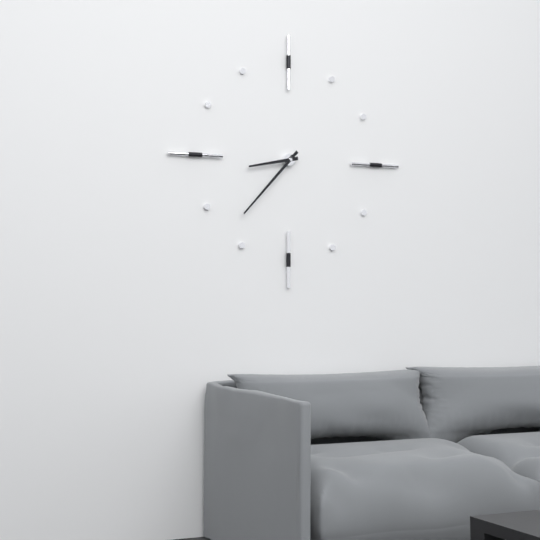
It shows 8 h 37 min
